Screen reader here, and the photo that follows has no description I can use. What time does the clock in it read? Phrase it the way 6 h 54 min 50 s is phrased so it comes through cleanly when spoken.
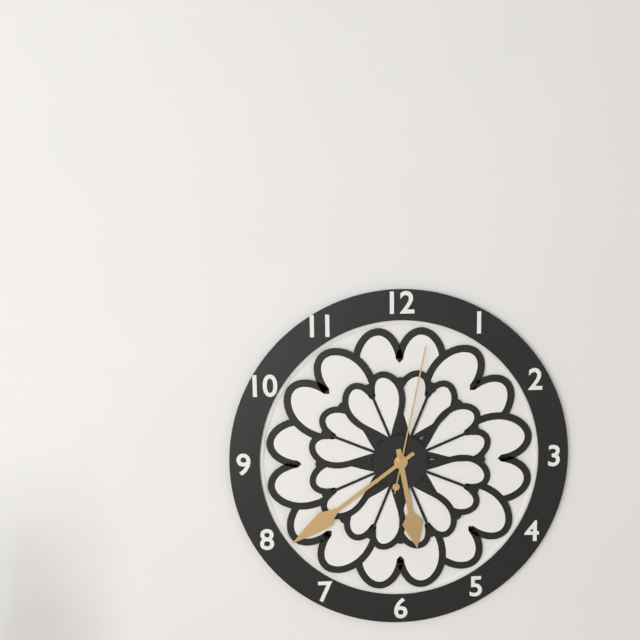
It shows 5 h 39 min 02 s
